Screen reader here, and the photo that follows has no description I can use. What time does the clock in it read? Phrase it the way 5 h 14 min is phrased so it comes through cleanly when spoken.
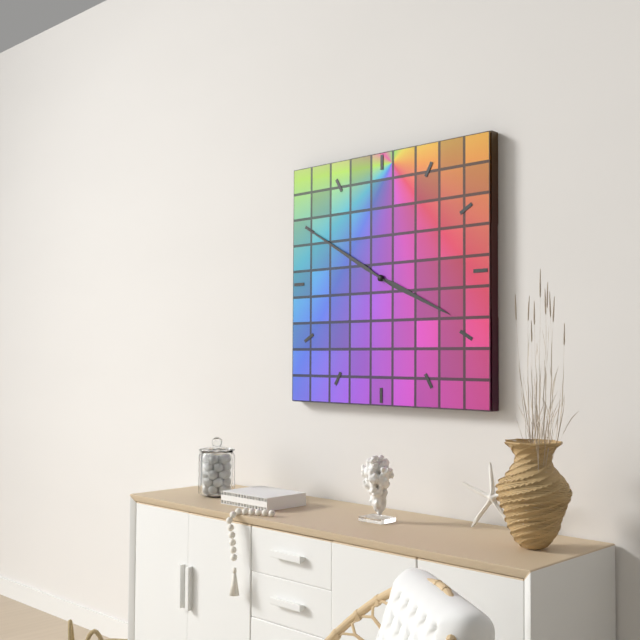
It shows 3 h 50 min
